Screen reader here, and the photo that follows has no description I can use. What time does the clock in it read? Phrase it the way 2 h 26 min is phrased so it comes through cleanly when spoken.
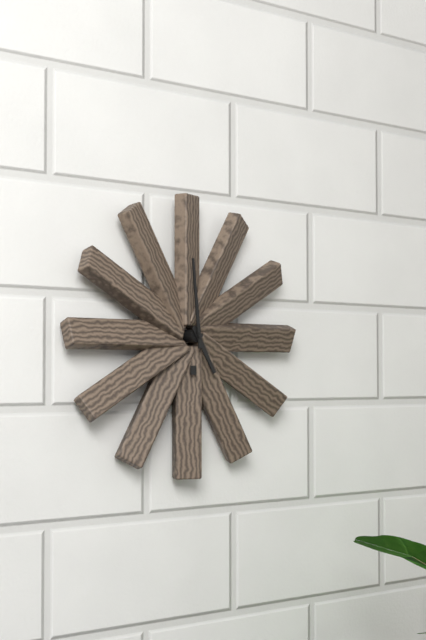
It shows 4 h 59 min
